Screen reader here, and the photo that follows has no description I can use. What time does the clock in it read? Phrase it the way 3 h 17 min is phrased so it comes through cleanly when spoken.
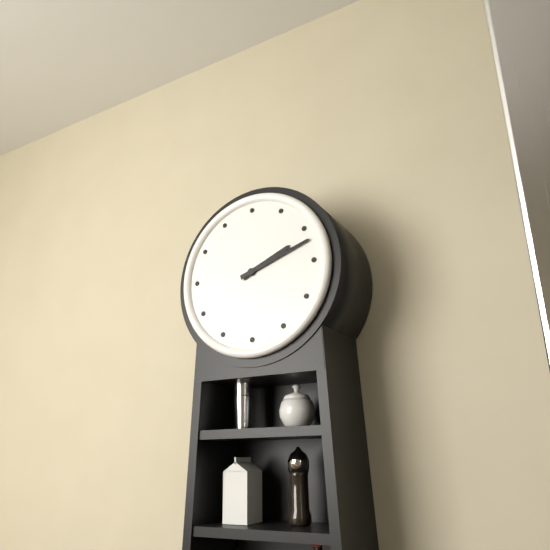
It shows 2 h 12 min
